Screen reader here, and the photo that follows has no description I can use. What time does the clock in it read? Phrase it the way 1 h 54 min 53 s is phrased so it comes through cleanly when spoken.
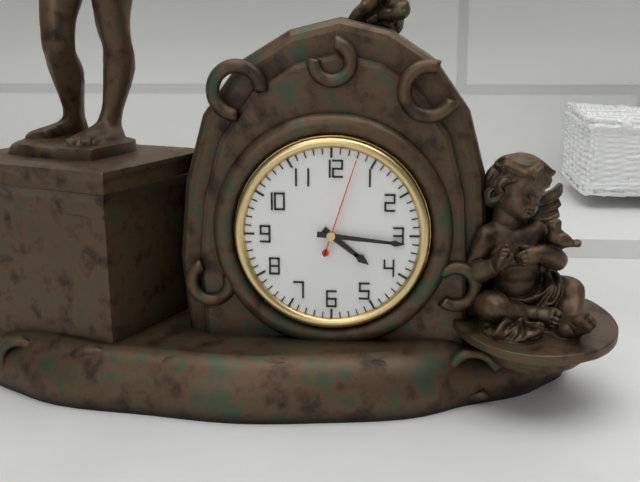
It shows 4 h 16 min 03 s
